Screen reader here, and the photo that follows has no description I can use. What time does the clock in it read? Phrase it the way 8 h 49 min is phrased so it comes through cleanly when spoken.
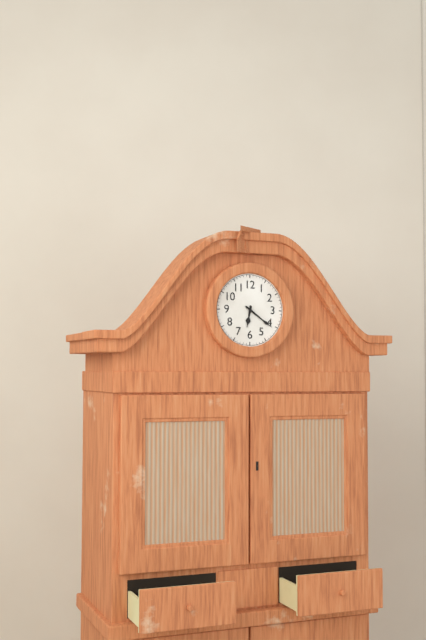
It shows 6 h 21 min
